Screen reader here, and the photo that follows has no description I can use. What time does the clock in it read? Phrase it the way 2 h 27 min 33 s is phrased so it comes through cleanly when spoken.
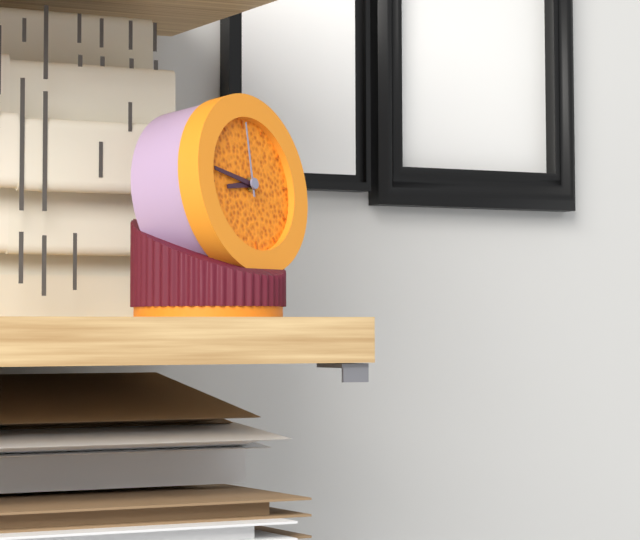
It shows 8 h 47 min 00 s
